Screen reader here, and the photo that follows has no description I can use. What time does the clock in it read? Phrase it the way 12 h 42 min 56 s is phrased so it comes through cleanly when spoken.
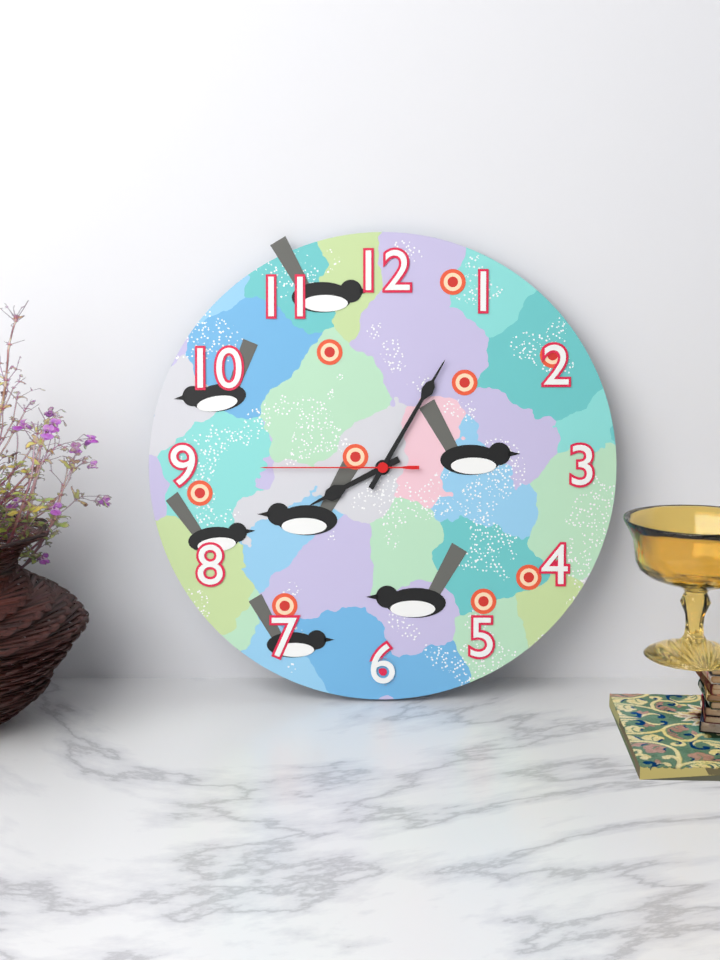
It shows 8 h 05 min 45 s
